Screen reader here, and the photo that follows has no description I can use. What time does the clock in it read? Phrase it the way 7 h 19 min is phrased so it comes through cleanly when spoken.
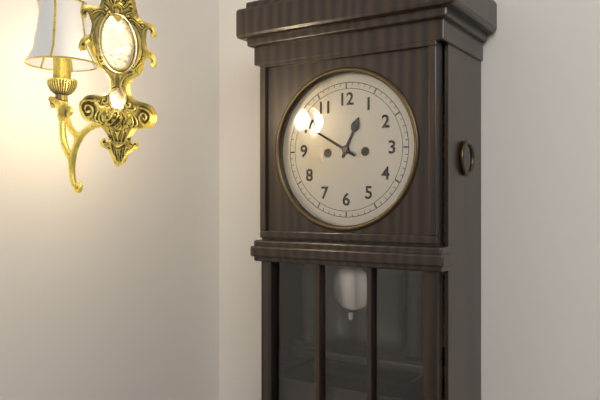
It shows 12 h 50 min
